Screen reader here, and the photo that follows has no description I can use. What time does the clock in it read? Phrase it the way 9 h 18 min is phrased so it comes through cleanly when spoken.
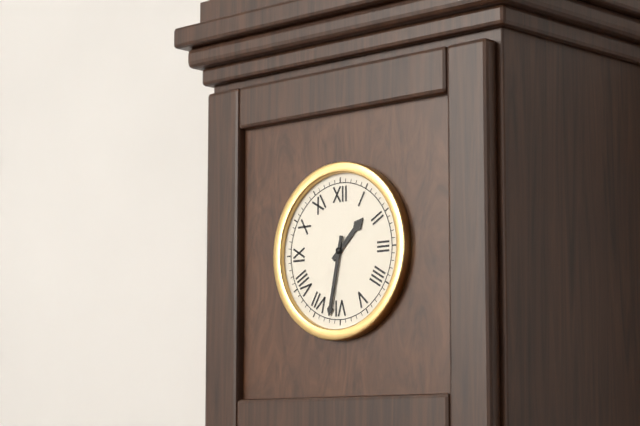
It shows 1 h 32 min
